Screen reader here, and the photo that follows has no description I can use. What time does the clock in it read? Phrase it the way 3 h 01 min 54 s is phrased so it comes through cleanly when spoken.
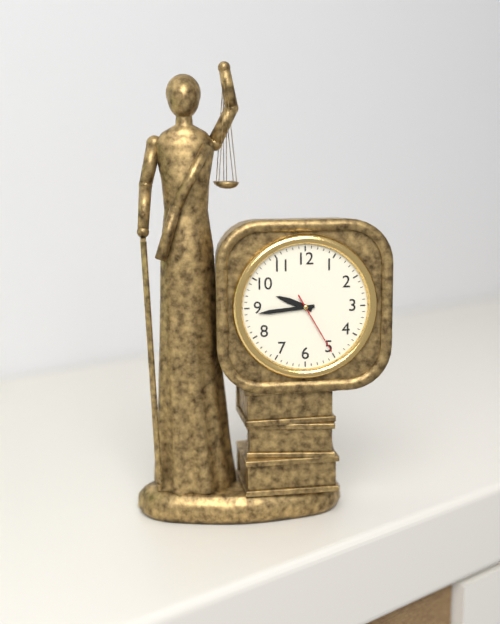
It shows 9 h 44 min 25 s
